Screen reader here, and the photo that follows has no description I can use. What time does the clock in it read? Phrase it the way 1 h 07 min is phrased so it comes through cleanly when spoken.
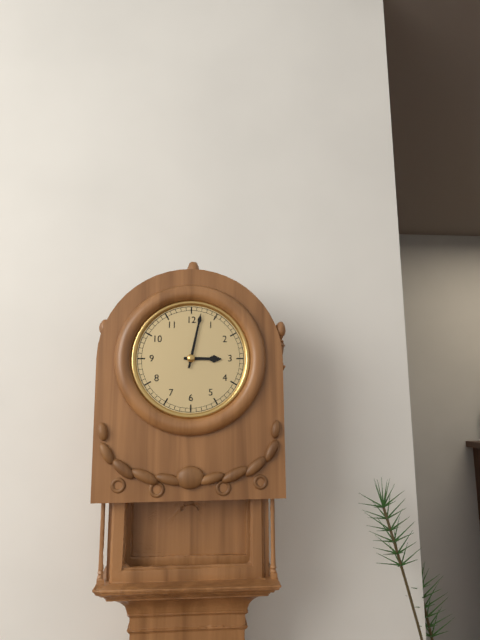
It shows 3 h 02 min
